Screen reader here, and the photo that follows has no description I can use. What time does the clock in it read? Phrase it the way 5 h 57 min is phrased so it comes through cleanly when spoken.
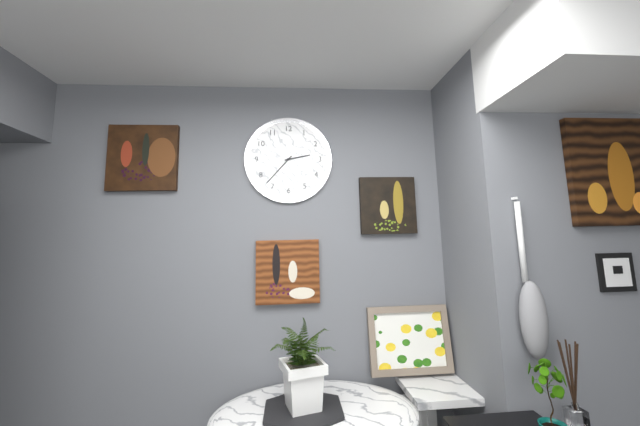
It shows 2 h 37 min
